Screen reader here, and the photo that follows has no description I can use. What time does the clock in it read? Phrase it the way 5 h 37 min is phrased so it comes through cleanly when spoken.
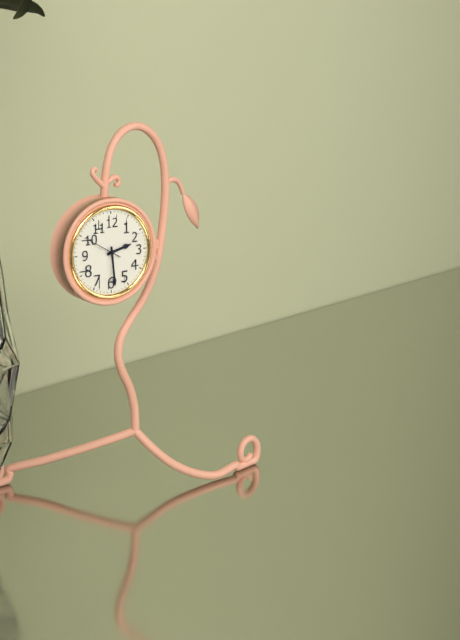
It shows 2 h 29 min
